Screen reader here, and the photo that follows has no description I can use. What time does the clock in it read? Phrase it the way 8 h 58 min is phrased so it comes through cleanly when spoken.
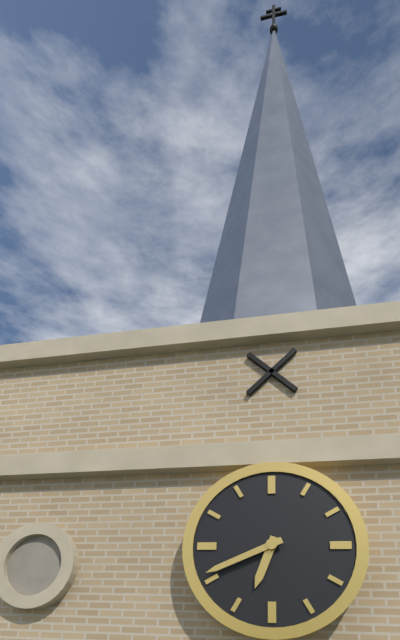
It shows 6 h 41 min
